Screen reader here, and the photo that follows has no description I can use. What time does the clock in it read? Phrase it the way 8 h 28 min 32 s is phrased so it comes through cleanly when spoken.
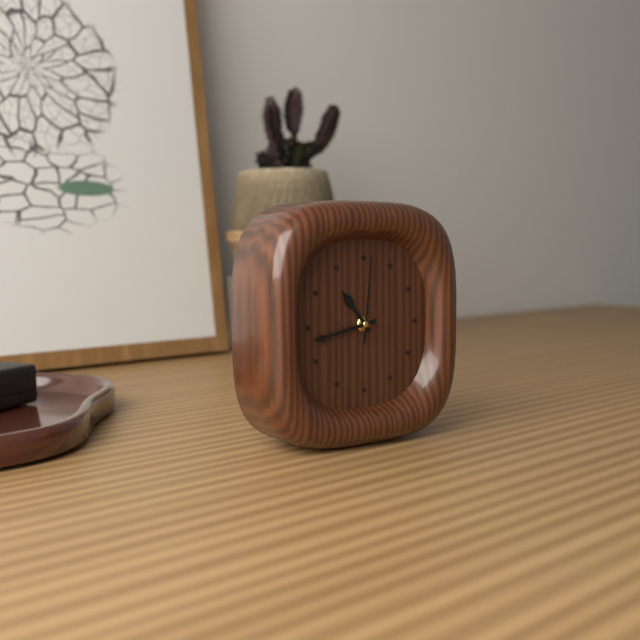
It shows 10 h 43 min 01 s
